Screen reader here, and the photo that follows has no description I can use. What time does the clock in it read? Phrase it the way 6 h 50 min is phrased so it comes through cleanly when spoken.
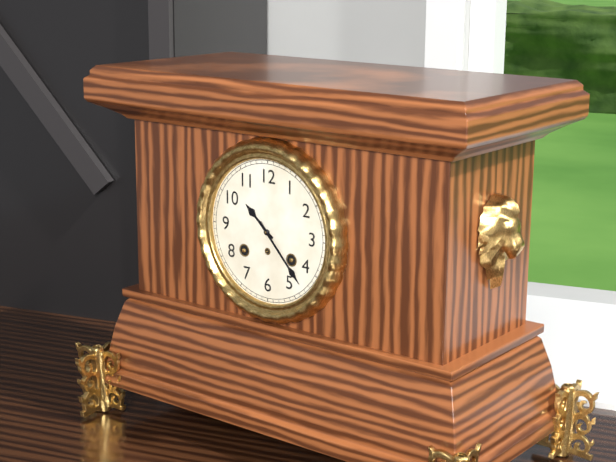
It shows 10 h 23 min
